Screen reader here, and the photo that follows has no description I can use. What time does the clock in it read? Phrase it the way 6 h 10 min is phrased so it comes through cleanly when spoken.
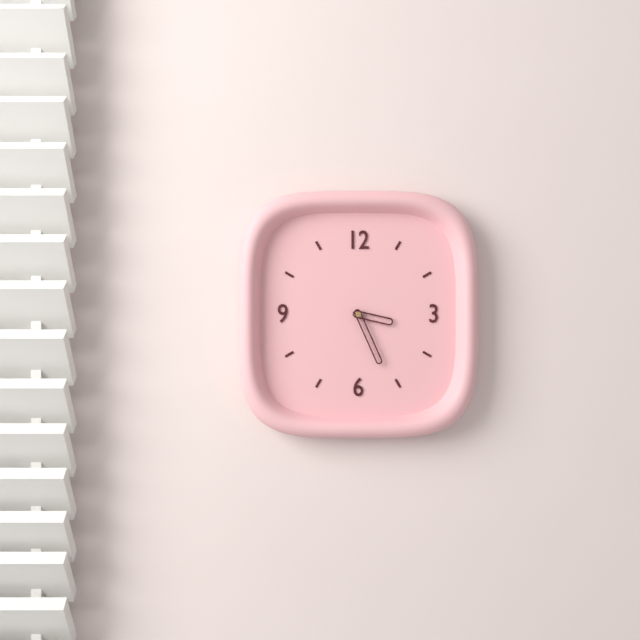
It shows 3 h 26 min
